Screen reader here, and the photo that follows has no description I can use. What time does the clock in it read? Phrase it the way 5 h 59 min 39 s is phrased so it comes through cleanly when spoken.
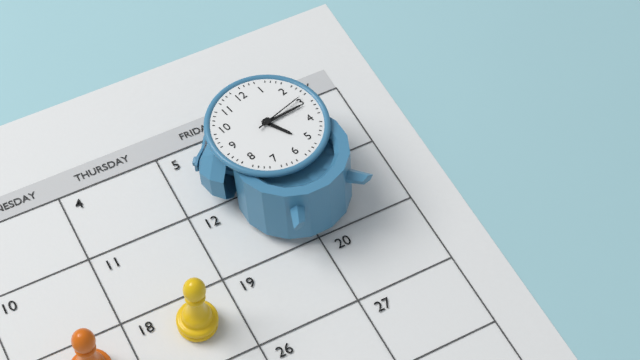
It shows 5 h 16 min 14 s
